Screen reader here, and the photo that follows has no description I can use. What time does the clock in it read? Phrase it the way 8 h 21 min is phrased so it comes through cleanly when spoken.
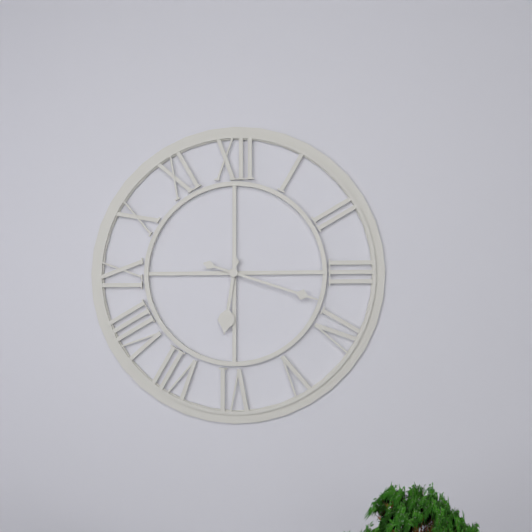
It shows 6 h 18 min
